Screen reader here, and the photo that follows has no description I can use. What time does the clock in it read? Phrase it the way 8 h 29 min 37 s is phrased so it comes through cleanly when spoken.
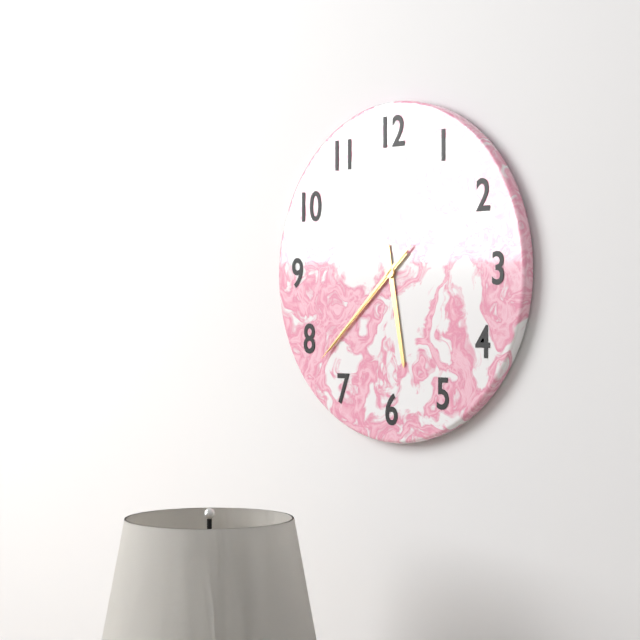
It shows 5 h 38 min 38 s
